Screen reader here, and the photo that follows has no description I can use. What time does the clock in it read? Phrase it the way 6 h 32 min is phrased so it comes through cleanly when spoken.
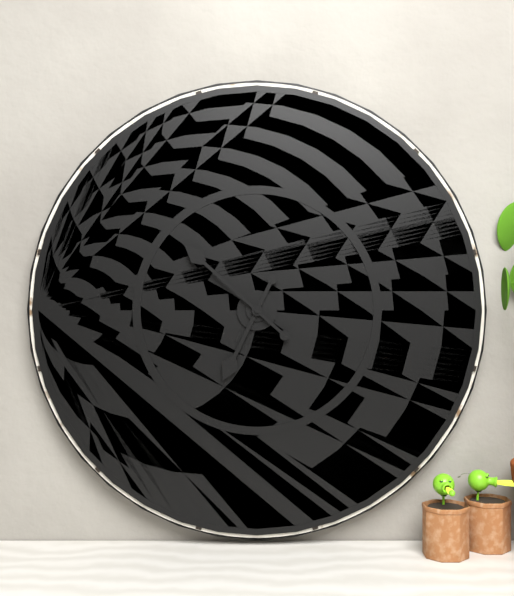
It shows 6 h 52 min
